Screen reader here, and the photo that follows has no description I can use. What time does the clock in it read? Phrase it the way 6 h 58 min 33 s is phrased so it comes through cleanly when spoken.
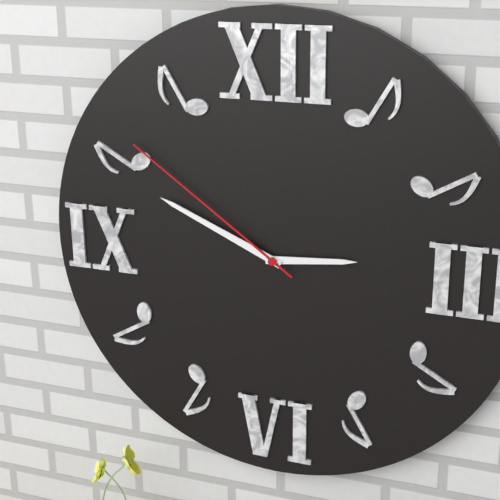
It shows 2 h 49 min 51 s
